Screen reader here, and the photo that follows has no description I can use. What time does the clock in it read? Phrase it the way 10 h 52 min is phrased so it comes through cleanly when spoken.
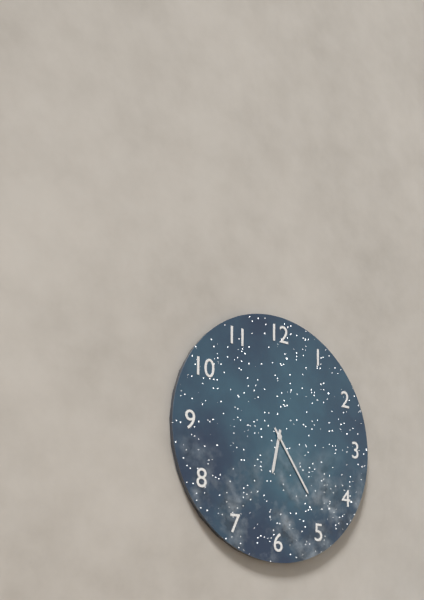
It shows 6 h 24 min
